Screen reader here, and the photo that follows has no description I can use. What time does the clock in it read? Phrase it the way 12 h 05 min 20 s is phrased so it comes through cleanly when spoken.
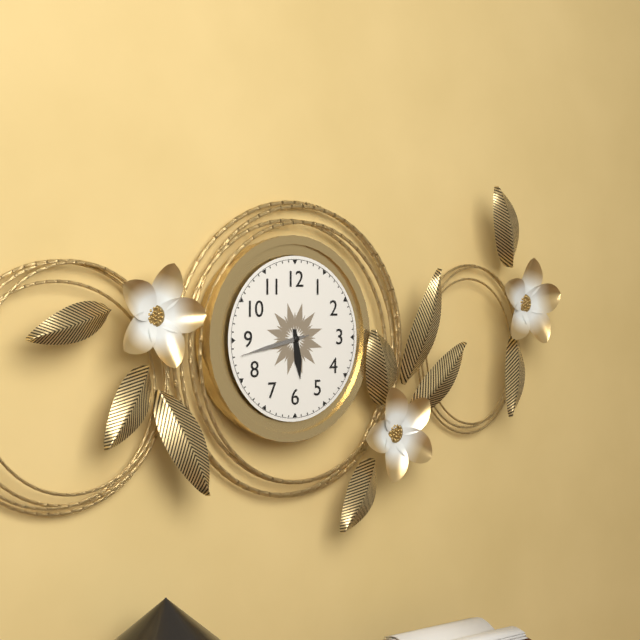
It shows 5 h 43 min 43 s
